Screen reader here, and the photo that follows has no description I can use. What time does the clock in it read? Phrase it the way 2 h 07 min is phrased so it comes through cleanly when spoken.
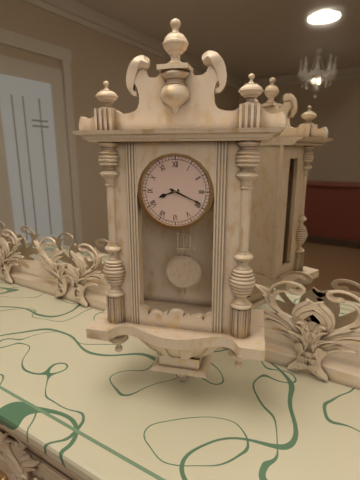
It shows 8 h 19 min
